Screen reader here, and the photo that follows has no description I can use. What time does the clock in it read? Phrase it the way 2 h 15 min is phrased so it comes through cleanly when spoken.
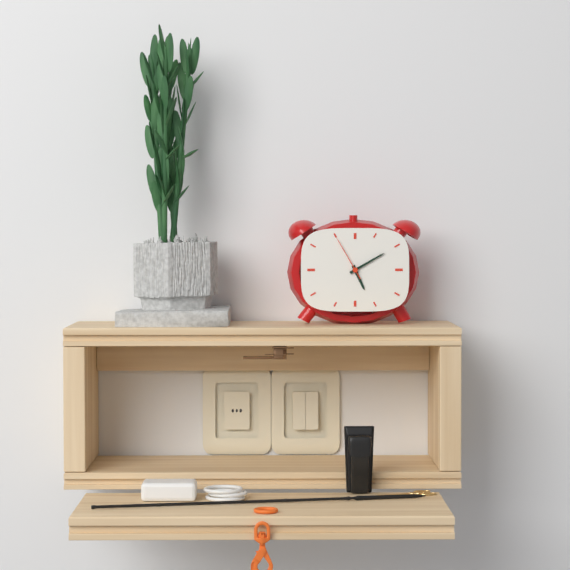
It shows 5 h 10 min
